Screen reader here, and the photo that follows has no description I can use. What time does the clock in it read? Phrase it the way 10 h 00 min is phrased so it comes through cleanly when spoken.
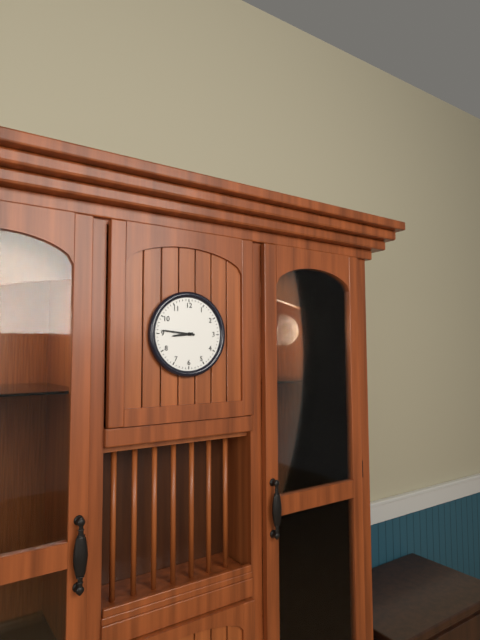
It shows 8 h 46 min
